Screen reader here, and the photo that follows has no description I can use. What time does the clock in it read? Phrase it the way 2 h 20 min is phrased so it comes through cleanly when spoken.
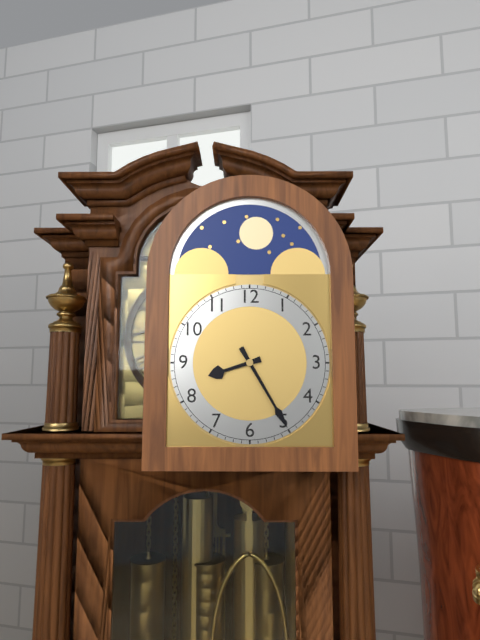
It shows 8 h 25 min
